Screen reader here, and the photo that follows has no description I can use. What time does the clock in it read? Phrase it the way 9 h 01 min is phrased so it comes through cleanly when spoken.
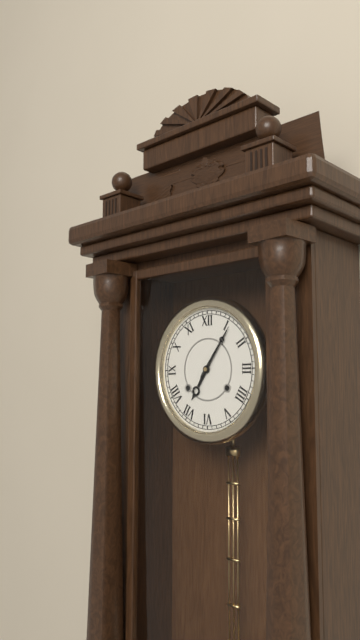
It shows 7 h 06 min
